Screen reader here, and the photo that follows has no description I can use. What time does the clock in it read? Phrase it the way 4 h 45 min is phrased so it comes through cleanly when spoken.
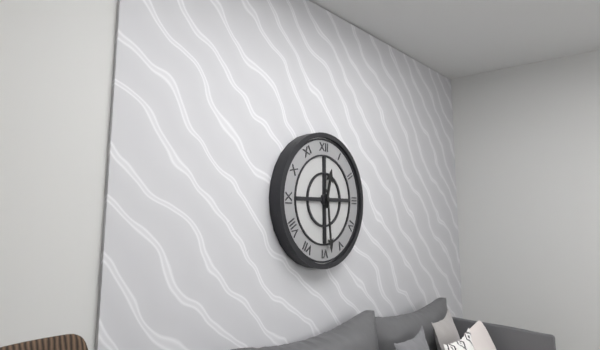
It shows 12 h 29 min
